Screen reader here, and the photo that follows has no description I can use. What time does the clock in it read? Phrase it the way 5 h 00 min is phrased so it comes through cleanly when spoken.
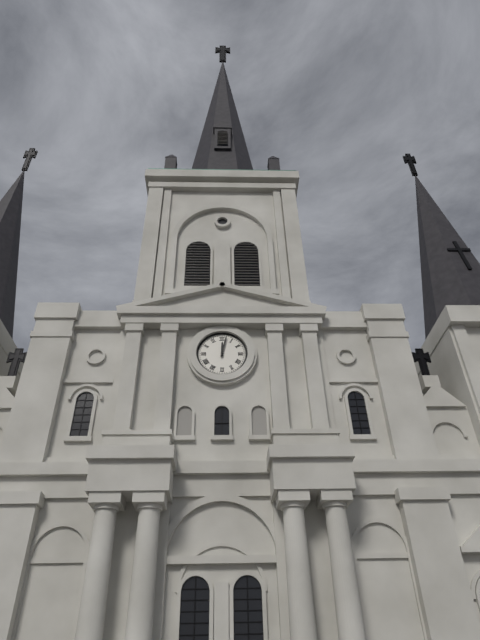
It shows 12 h 02 min
